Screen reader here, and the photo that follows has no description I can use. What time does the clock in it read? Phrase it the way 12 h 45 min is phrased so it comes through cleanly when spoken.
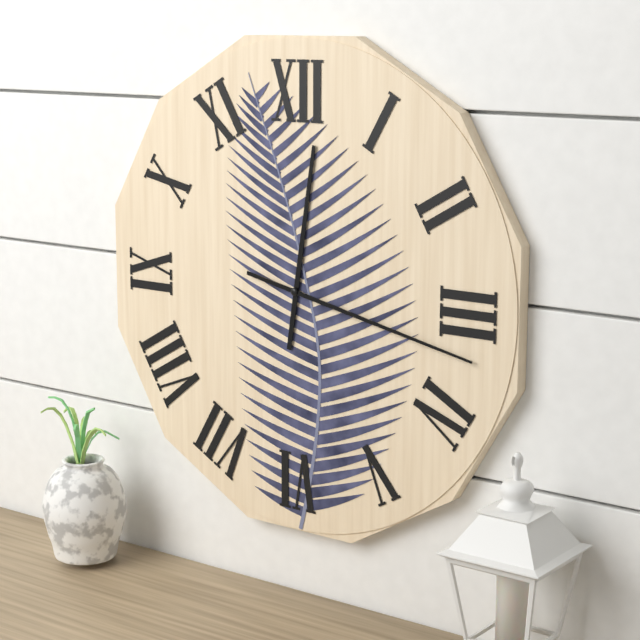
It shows 12 h 17 min
